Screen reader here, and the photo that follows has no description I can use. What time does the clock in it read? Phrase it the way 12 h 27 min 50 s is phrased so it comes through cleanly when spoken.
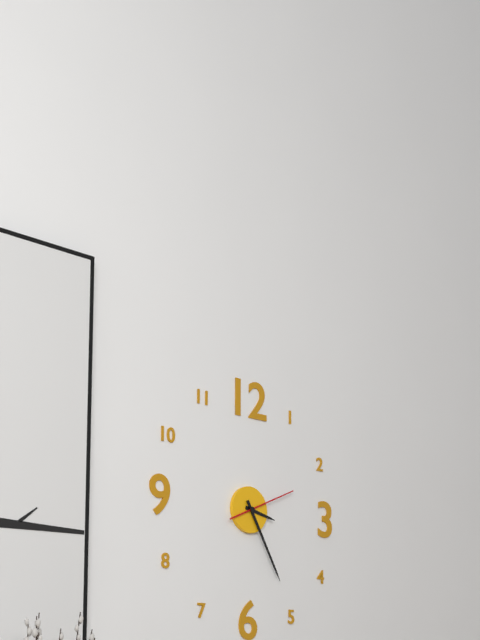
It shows 3 h 25 min 11 s
